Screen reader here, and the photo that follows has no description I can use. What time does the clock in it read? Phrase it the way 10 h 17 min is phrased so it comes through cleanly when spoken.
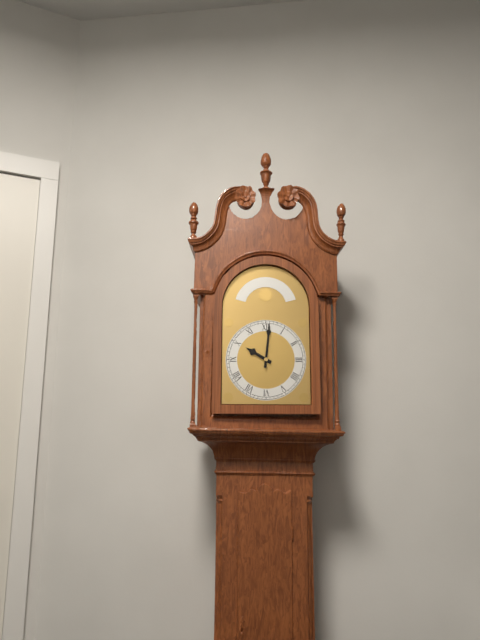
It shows 10 h 01 min
